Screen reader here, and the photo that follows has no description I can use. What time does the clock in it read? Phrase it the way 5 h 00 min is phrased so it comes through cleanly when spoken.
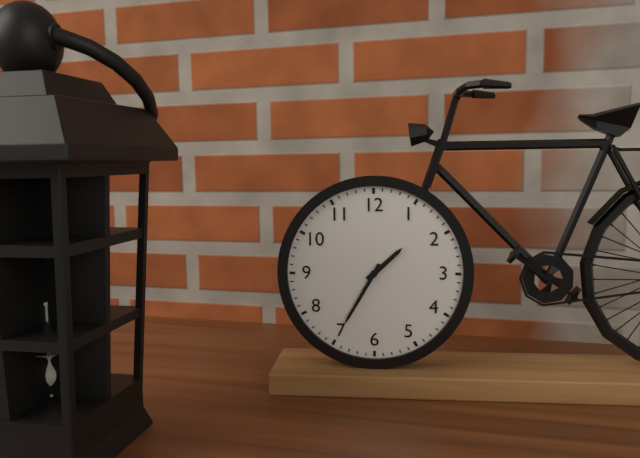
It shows 1 h 35 min
